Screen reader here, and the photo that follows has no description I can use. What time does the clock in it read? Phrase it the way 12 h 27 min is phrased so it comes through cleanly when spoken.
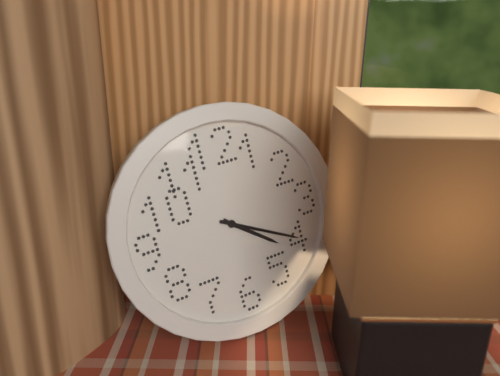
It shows 4 h 20 min
